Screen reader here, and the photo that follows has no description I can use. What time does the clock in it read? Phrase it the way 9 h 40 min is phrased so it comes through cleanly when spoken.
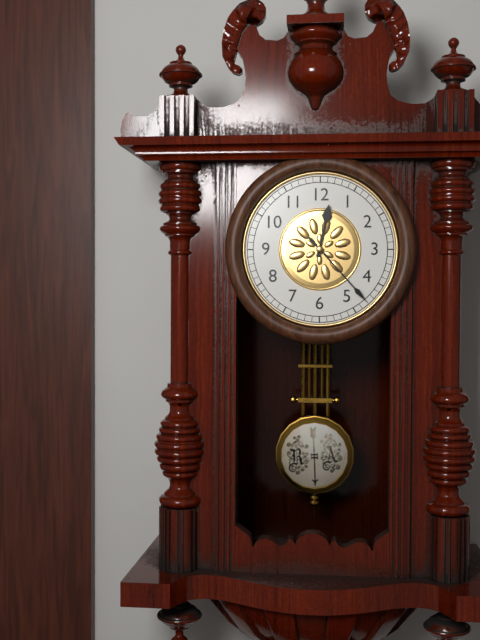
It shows 12 h 23 min
